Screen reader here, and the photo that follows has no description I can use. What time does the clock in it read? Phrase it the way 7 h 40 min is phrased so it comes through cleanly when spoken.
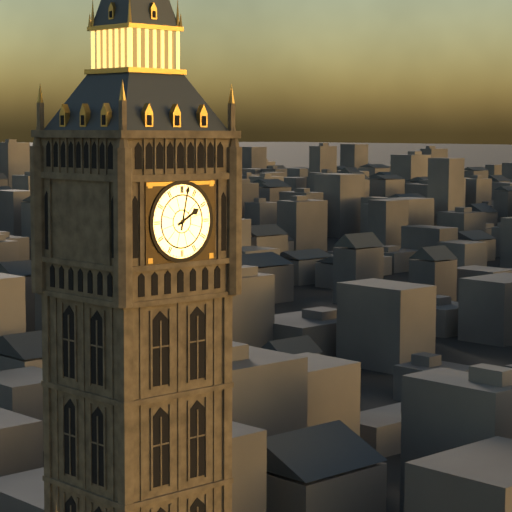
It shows 2 h 02 min
